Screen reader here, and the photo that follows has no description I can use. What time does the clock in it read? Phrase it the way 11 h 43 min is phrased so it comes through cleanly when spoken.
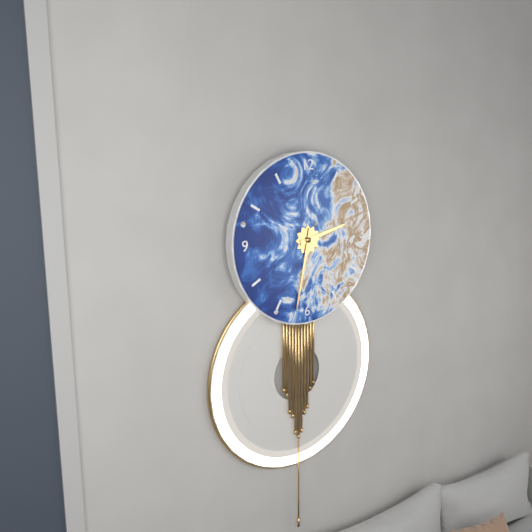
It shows 2 h 32 min
